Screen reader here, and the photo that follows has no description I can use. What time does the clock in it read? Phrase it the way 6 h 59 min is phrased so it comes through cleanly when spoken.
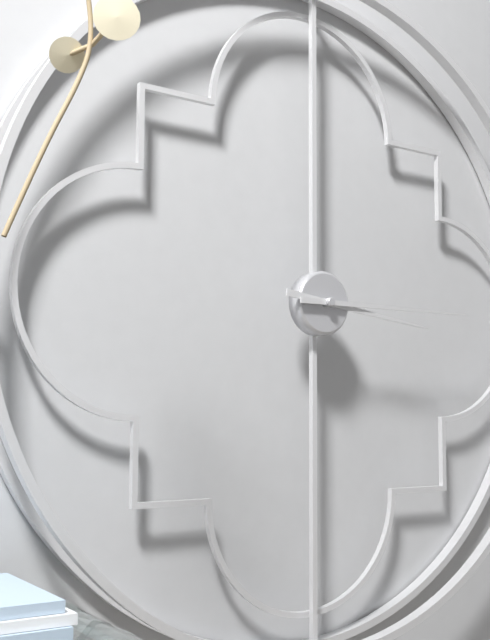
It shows 3 h 15 min
